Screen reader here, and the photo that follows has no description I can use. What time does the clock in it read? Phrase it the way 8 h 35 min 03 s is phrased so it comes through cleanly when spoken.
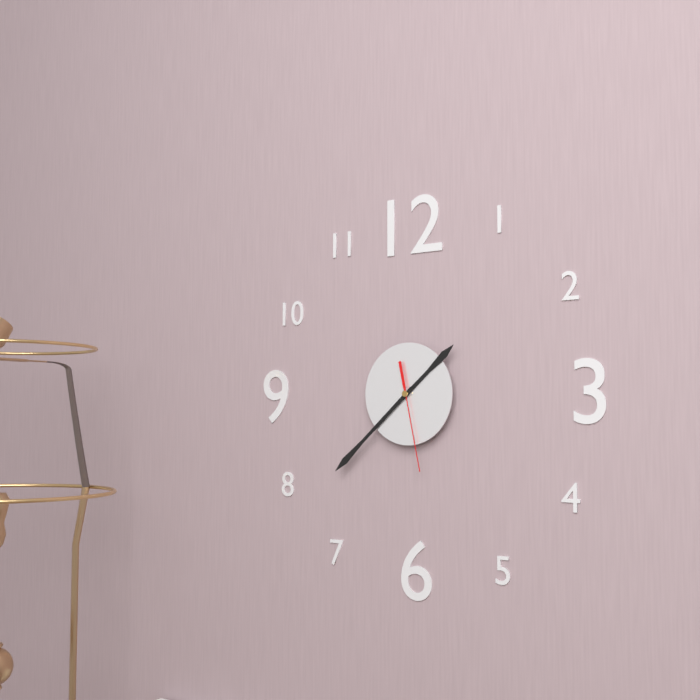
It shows 1 h 38 min 28 s
